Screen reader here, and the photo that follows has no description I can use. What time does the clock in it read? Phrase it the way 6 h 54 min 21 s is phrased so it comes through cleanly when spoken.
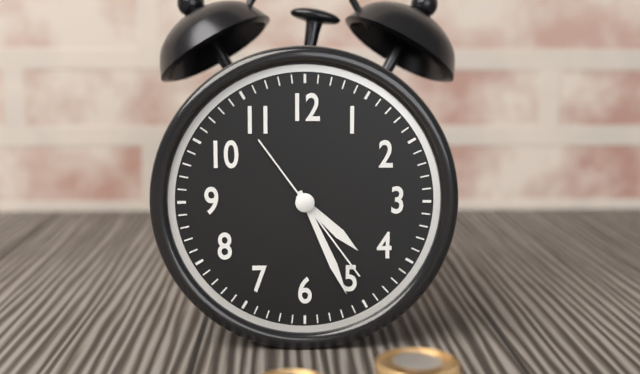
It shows 4 h 26 min 24 s
